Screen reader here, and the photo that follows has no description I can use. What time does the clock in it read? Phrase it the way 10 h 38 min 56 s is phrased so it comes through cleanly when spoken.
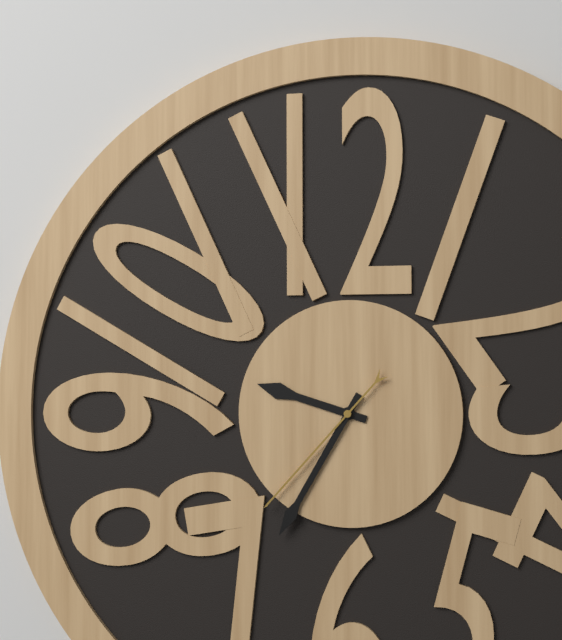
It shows 9 h 35 min 37 s
